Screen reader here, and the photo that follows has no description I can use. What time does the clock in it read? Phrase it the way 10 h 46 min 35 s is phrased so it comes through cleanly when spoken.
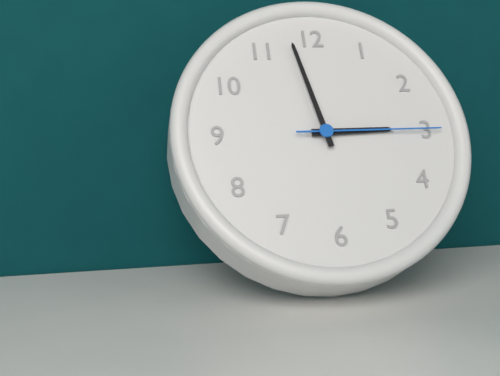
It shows 2 h 58 min 15 s
